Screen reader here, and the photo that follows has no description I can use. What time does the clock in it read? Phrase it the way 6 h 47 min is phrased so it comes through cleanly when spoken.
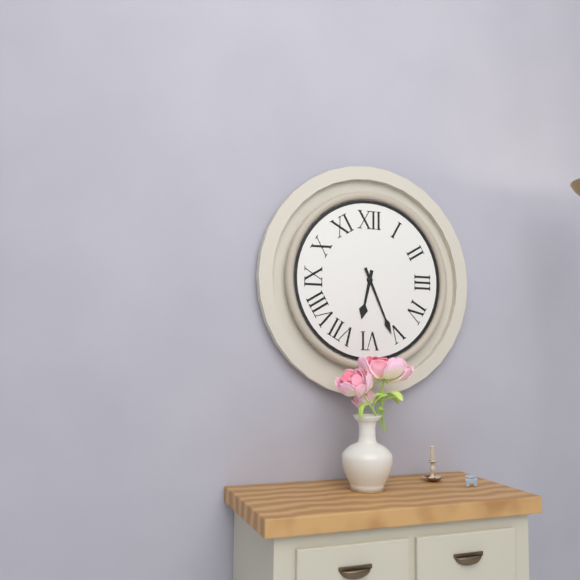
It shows 6 h 26 min
